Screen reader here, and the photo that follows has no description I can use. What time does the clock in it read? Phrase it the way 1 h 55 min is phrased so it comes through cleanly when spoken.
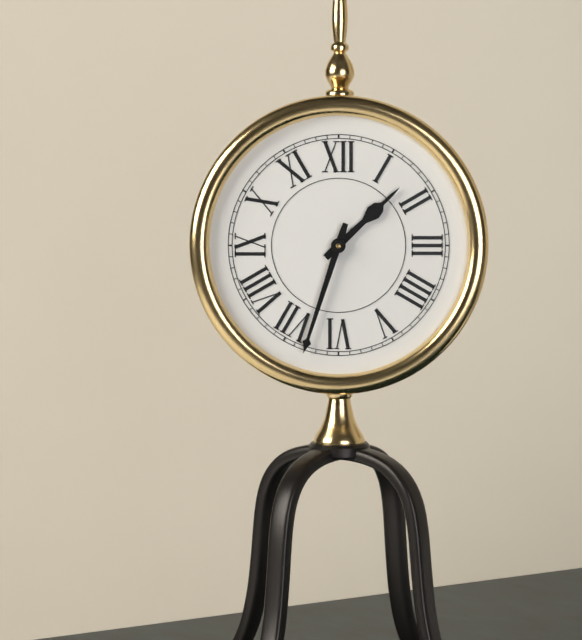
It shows 1 h 33 min
